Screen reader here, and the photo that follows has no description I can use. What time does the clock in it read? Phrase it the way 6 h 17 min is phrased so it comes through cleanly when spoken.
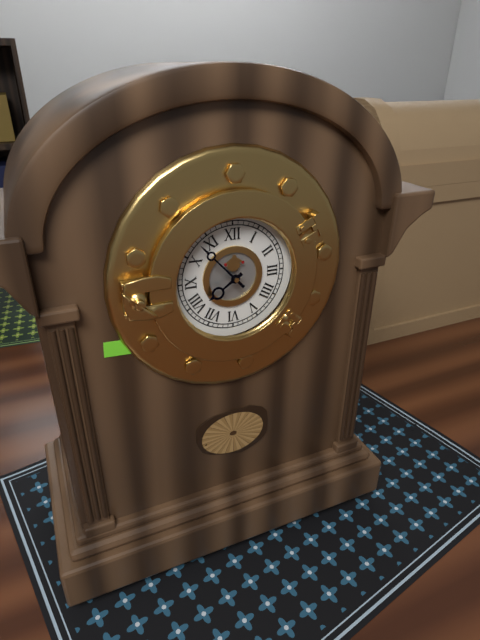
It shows 7 h 53 min
